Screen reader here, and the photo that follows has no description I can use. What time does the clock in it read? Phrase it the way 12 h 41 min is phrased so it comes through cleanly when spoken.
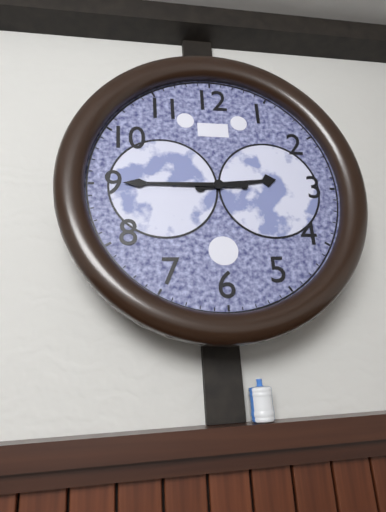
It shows 2 h 45 min
